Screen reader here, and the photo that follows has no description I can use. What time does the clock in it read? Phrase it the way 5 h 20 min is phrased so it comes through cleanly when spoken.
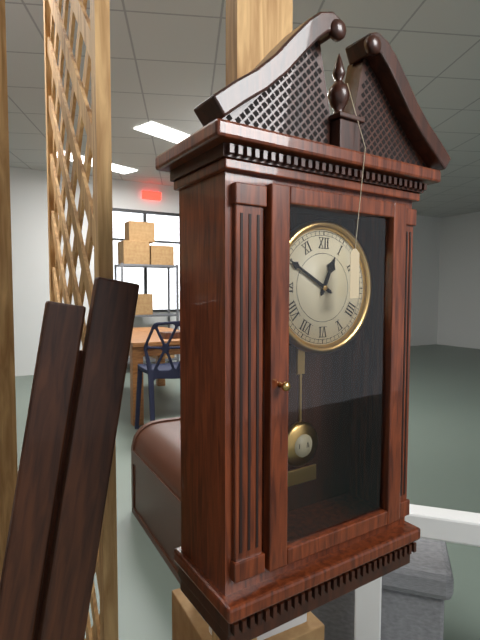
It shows 12 h 50 min
